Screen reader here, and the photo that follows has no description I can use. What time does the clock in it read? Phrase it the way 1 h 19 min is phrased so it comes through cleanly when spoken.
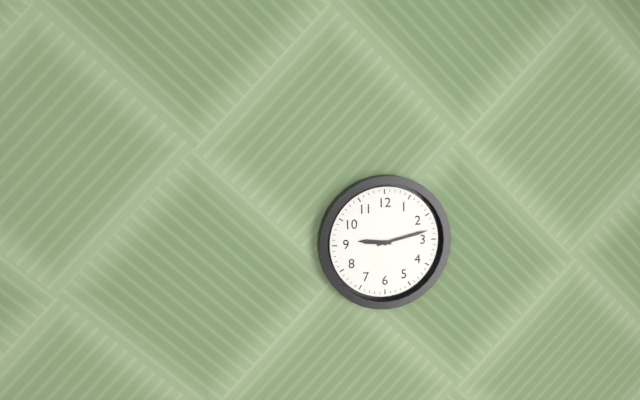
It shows 9 h 13 min
